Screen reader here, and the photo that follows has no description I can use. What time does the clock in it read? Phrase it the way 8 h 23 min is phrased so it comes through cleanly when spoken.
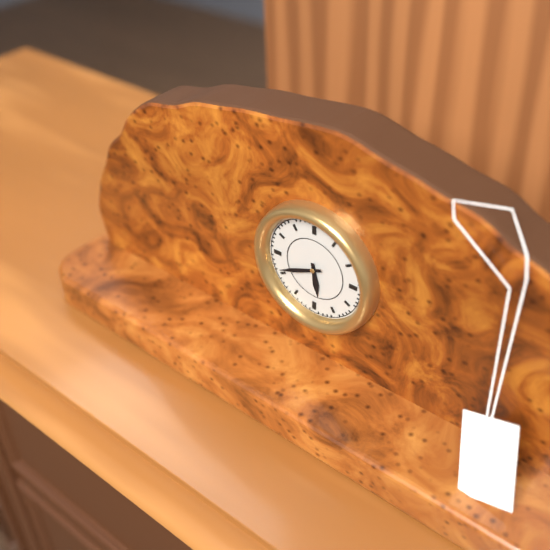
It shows 5 h 41 min
